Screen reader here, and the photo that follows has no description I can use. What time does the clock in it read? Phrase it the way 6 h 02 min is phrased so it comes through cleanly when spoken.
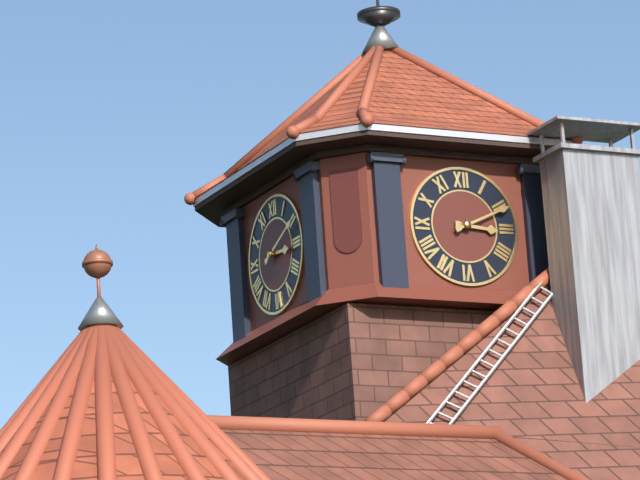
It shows 3 h 11 min
